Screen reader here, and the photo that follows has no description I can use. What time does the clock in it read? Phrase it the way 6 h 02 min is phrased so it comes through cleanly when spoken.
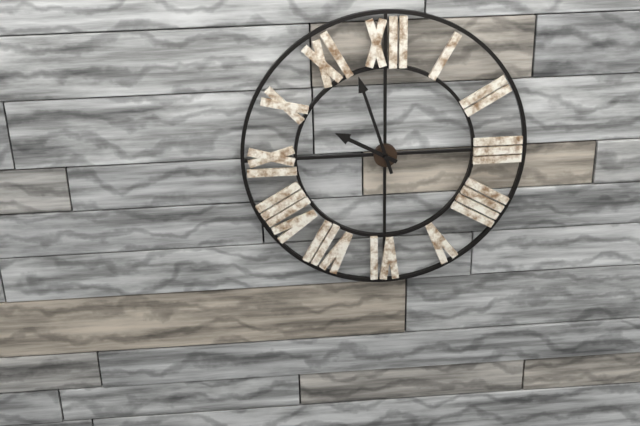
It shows 9 h 57 min
